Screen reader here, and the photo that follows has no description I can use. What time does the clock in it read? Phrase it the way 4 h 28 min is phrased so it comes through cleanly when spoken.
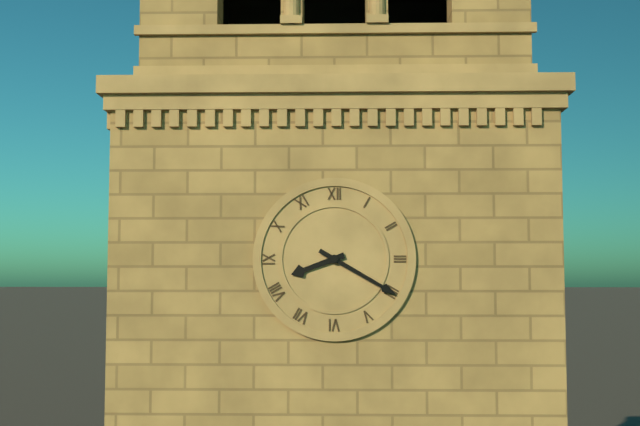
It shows 8 h 20 min
